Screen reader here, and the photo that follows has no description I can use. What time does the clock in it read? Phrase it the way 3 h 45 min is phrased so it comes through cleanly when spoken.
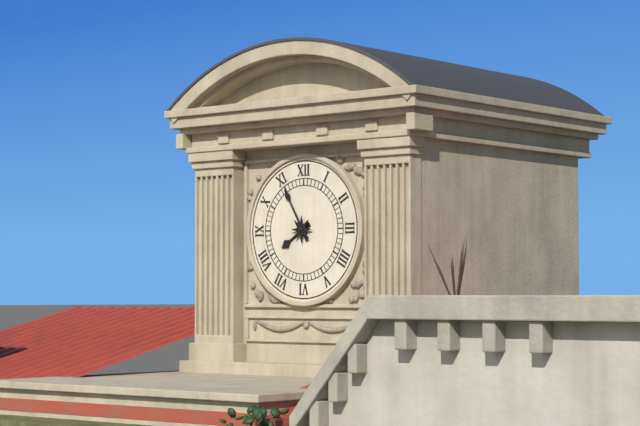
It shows 7 h 55 min
